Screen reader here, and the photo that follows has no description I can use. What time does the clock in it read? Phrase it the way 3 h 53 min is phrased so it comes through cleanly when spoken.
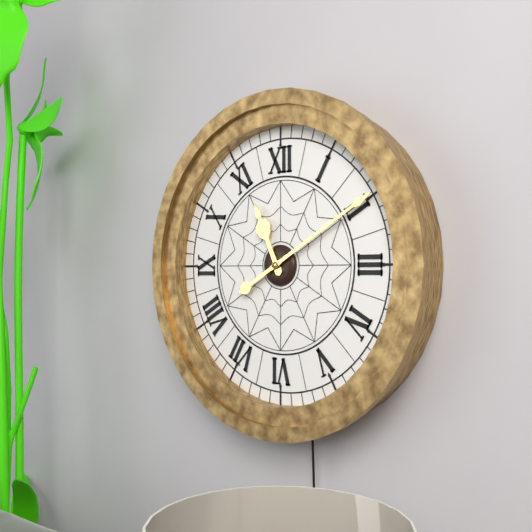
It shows 11 h 10 min
